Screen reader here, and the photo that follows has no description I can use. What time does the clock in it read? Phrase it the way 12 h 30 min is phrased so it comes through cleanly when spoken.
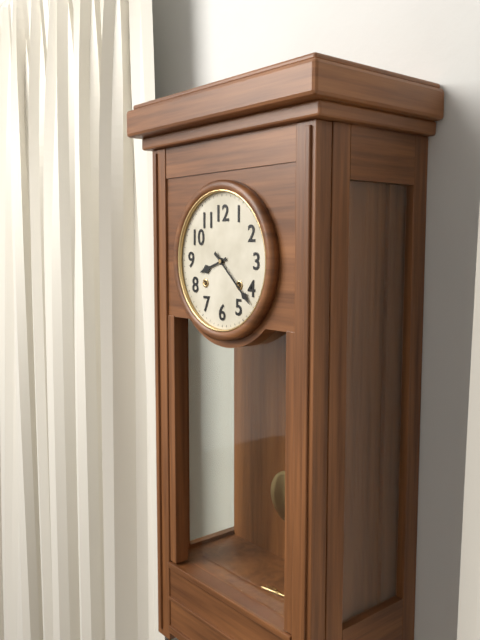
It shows 8 h 22 min
